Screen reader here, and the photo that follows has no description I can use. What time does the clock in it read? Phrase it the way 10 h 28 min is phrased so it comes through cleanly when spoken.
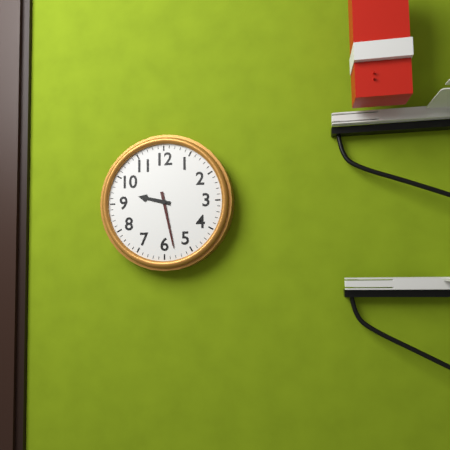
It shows 9 h 28 min
